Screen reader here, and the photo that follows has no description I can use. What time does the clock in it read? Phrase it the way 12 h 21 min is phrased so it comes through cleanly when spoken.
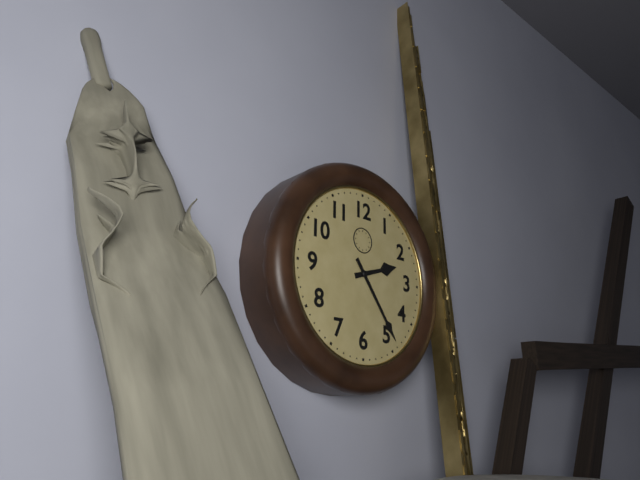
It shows 2 h 24 min
